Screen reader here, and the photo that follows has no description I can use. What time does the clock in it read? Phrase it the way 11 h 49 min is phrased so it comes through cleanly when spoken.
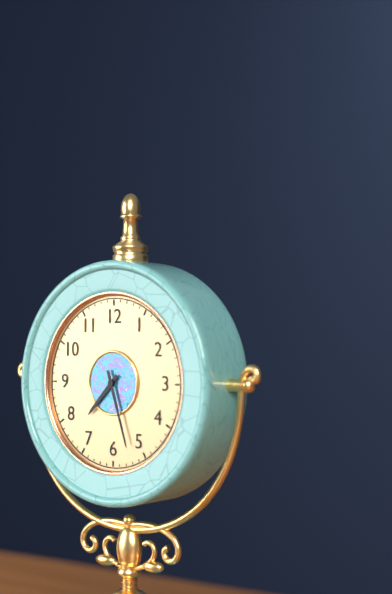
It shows 7 h 27 min
